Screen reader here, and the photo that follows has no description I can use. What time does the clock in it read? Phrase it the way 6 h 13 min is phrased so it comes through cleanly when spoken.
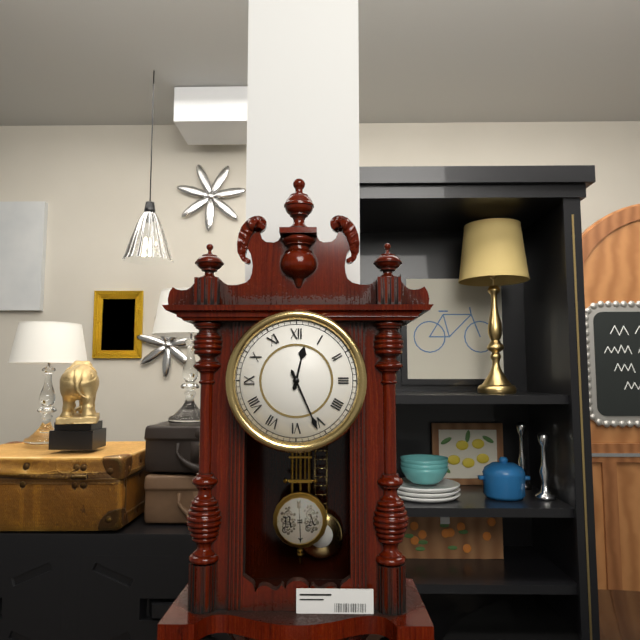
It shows 12 h 26 min
